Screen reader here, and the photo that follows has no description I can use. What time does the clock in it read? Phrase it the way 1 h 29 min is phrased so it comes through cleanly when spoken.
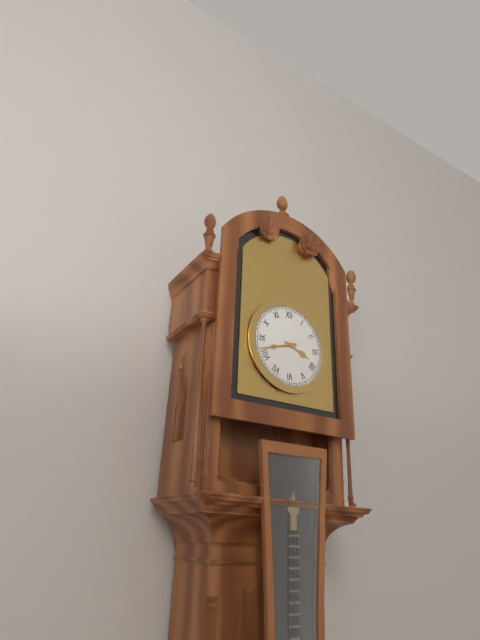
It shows 3 h 42 min
